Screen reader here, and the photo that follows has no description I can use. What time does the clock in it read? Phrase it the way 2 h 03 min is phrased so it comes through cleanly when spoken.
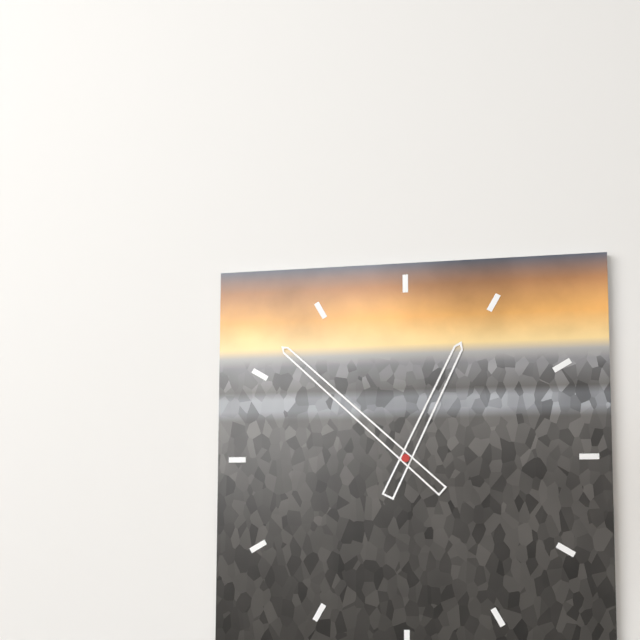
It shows 12 h 52 min
